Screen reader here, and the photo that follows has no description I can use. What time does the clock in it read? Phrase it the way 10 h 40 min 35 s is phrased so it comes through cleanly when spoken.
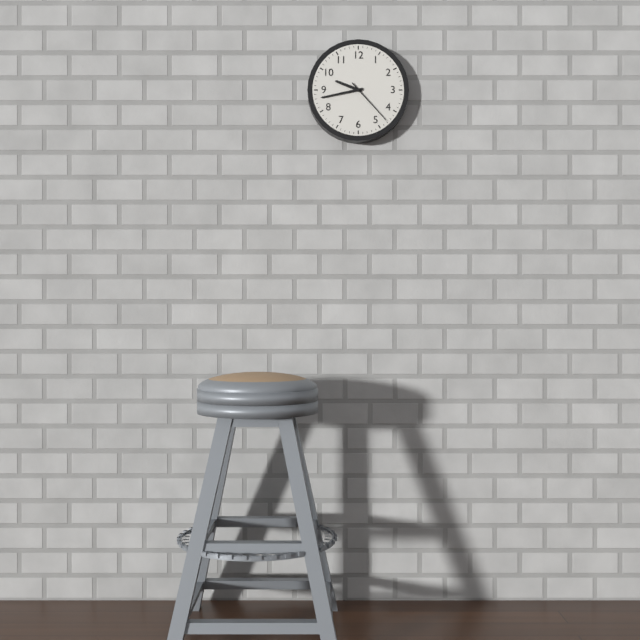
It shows 9 h 43 min 23 s
